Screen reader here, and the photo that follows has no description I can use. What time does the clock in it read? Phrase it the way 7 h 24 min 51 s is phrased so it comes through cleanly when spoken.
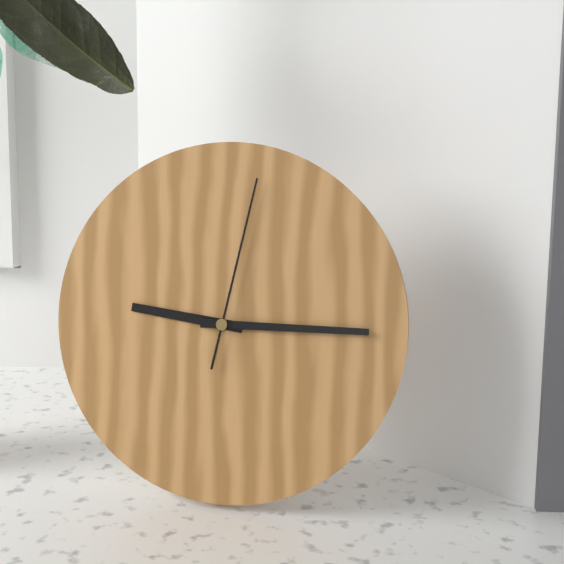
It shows 9 h 15 min 02 s
